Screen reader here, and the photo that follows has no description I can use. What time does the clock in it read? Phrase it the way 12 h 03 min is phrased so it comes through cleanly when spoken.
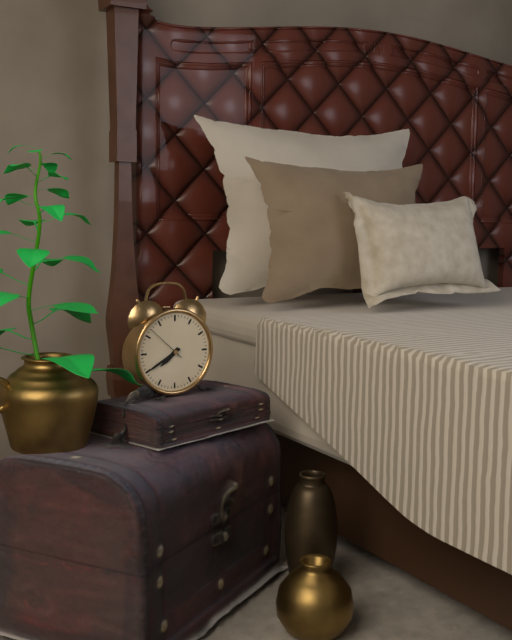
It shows 7 h 40 min
